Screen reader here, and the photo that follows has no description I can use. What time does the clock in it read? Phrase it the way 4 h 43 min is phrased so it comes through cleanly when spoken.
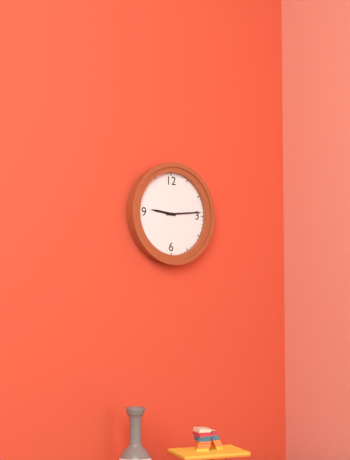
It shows 9 h 14 min
